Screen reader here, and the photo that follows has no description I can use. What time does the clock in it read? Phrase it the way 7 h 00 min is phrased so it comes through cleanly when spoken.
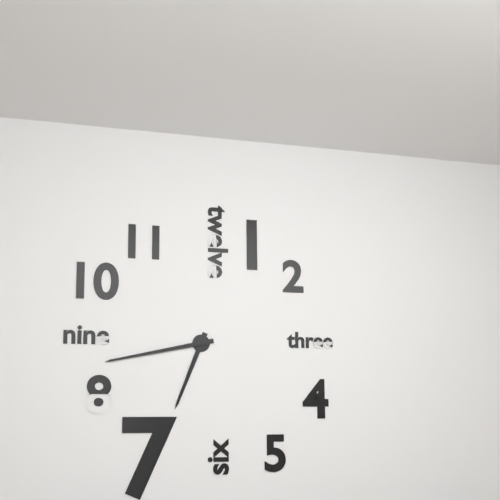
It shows 6 h 43 min
